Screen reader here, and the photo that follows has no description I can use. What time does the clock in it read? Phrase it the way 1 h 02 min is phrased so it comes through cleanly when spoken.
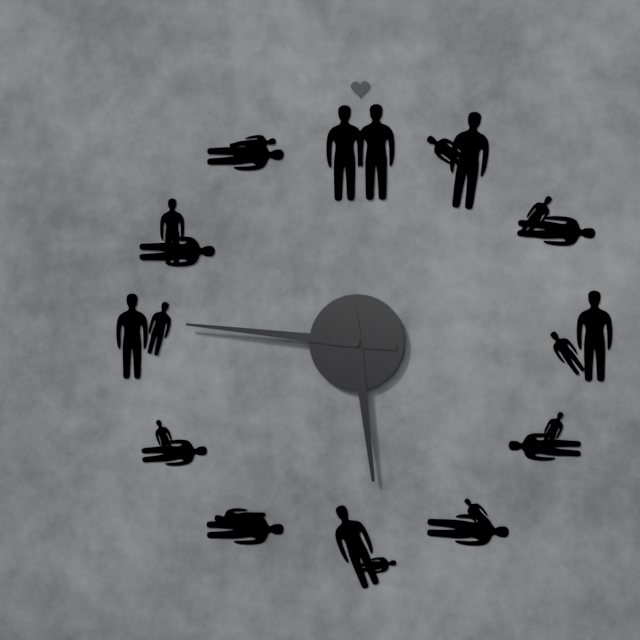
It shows 5 h 46 min
